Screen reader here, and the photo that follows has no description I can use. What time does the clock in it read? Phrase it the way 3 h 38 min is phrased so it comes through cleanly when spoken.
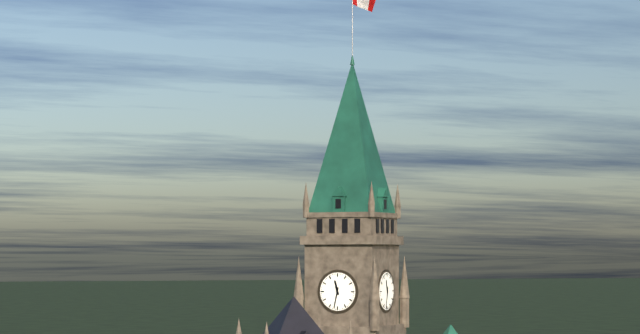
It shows 11 h 32 min
